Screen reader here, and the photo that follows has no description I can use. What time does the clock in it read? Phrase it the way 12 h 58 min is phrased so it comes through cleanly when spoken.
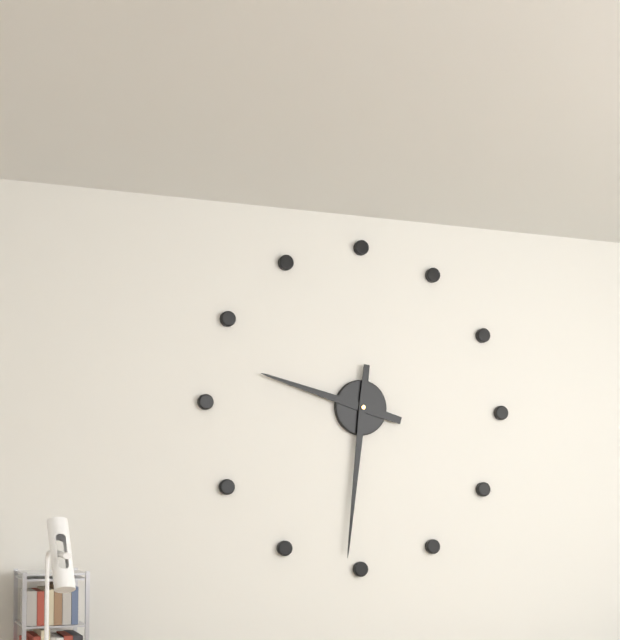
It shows 9 h 31 min
